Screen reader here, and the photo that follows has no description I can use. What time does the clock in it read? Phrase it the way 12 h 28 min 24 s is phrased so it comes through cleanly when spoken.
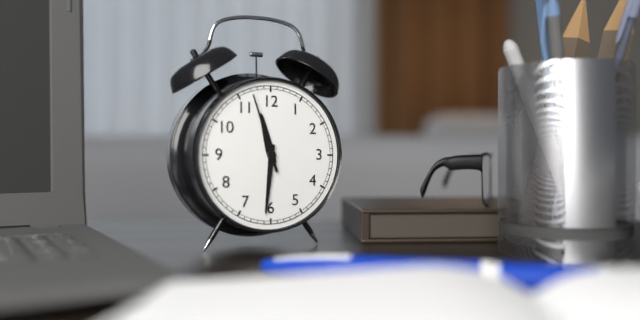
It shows 11 h 31 min 57 s
